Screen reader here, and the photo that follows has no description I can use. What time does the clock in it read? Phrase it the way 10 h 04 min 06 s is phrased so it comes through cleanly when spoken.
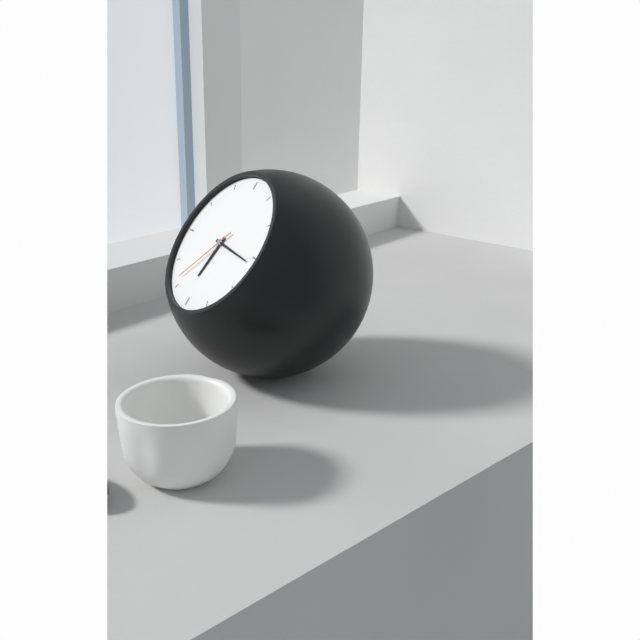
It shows 6 h 16 min 36 s
